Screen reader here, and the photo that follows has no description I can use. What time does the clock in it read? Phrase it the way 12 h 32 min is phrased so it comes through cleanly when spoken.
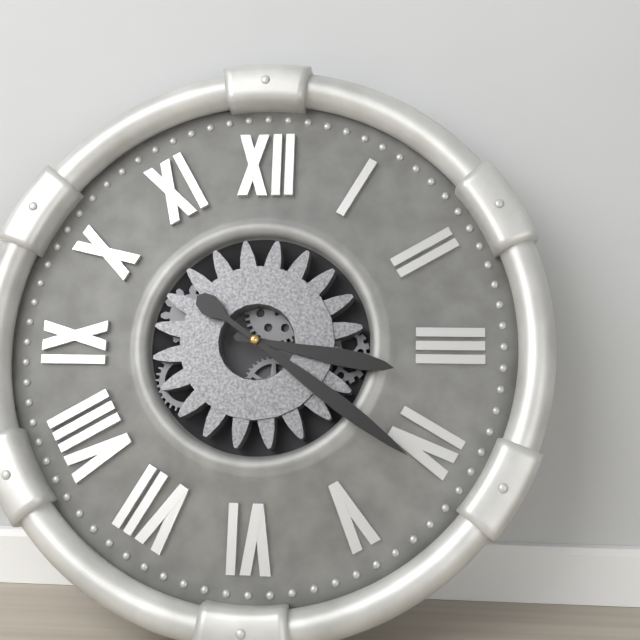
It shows 3 h 21 min
